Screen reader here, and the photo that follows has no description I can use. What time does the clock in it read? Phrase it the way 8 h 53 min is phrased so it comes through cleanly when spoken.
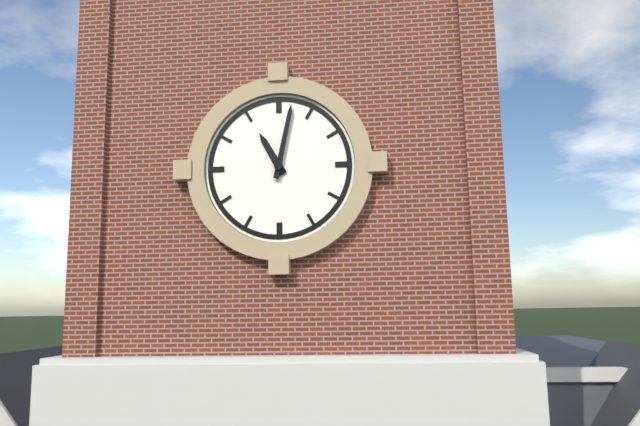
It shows 11 h 02 min
